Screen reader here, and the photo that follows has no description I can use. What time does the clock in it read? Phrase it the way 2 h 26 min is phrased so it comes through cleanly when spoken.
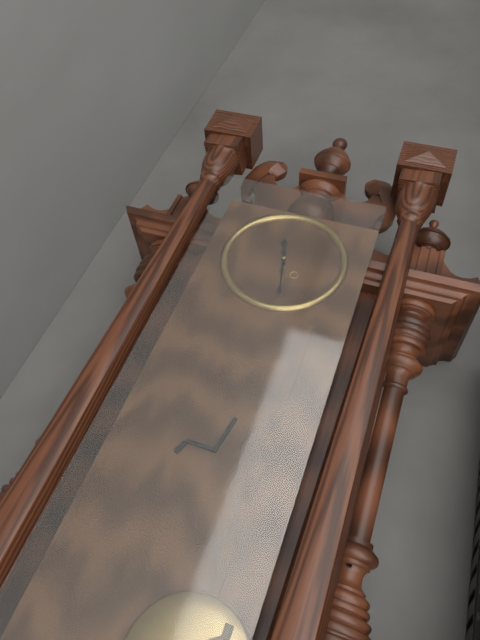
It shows 11 h 28 min
